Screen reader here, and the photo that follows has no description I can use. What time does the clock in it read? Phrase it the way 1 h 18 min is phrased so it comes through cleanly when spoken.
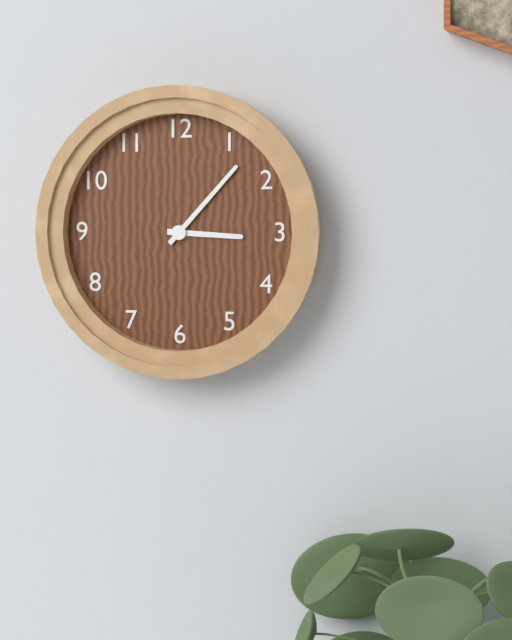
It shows 3 h 07 min
